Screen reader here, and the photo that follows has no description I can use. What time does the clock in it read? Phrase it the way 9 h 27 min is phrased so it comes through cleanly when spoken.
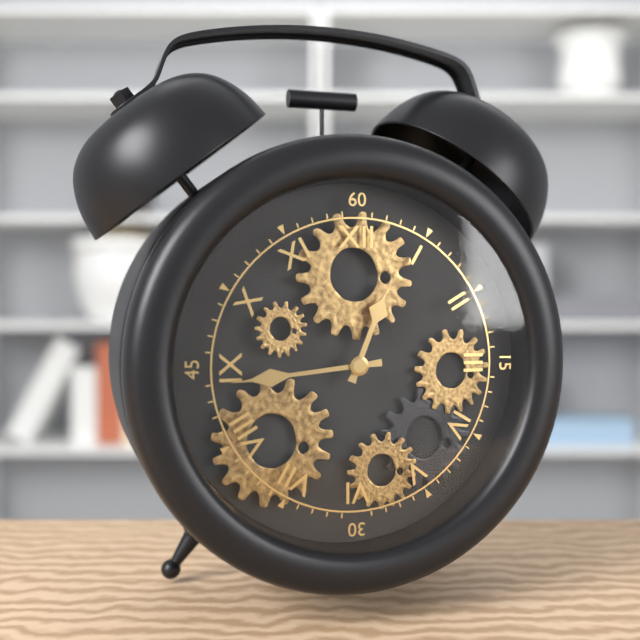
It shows 12 h 44 min
